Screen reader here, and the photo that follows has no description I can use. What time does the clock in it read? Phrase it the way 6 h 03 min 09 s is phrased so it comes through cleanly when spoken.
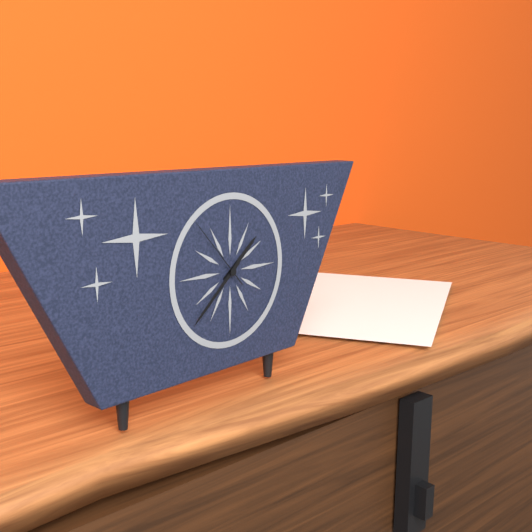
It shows 1 h 38 min 53 s
